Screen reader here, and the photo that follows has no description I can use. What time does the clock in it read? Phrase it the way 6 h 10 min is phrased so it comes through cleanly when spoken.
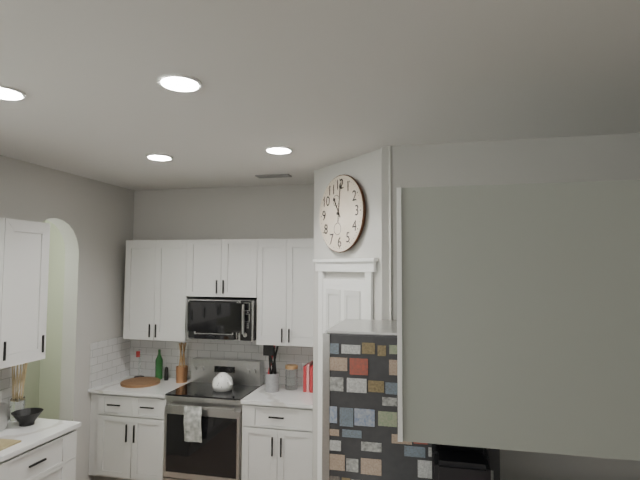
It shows 11 h 01 min
